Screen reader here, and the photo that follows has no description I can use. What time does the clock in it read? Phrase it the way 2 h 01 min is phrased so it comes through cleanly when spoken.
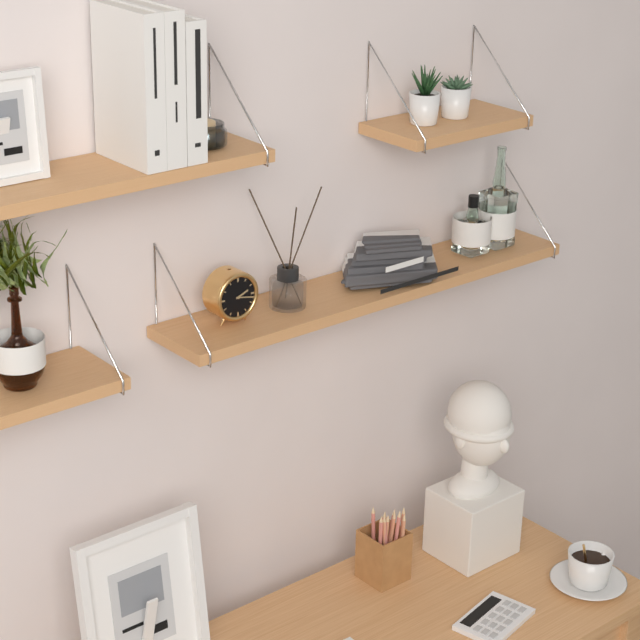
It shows 2 h 17 min
